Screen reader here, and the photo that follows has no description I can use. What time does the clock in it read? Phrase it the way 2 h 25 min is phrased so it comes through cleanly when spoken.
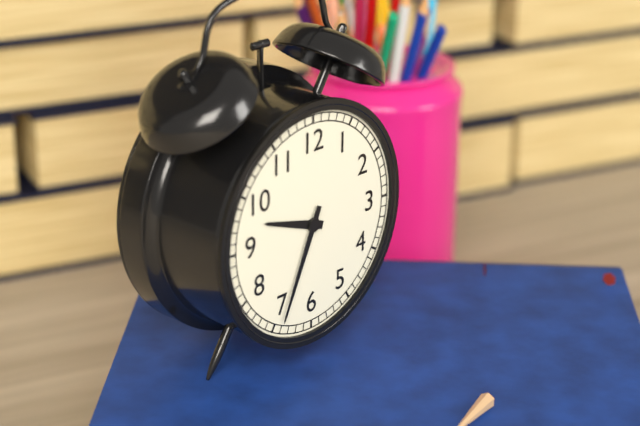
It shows 9 h 34 min
